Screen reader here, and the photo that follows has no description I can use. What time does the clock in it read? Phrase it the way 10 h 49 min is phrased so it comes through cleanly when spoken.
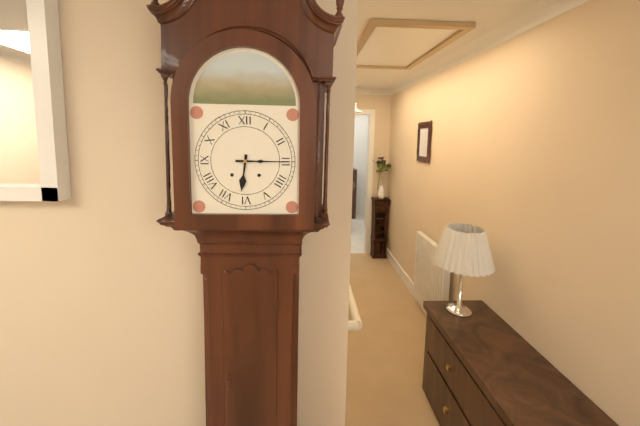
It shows 6 h 15 min
